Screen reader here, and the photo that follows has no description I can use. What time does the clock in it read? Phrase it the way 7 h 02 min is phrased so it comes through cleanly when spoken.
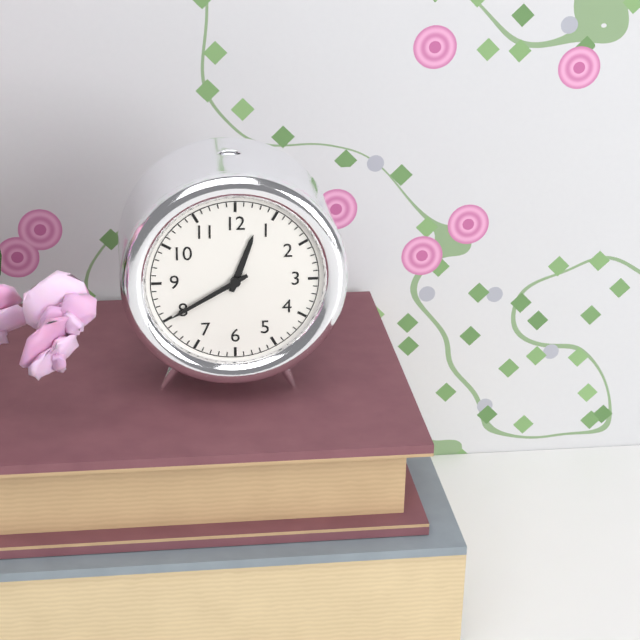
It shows 12 h 40 min
